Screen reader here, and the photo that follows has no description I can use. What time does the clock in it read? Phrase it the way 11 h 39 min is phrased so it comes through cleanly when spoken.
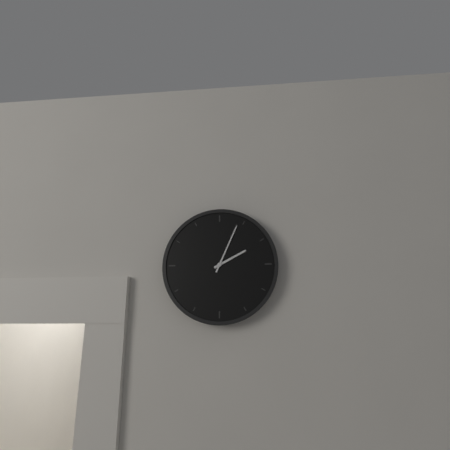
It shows 2 h 04 min
